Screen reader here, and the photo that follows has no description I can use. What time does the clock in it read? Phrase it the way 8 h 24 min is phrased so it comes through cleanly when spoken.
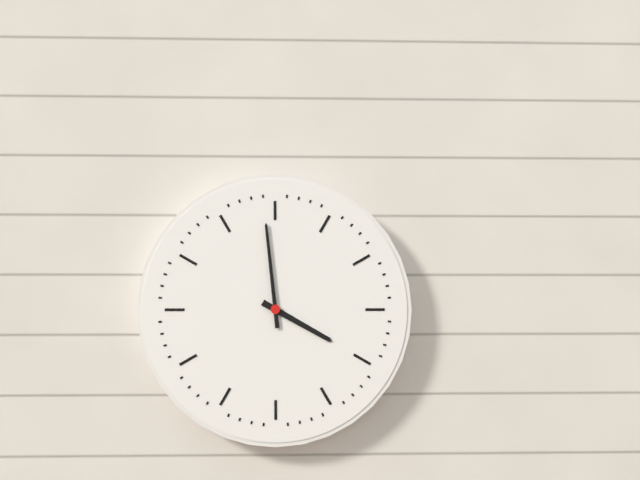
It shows 3 h 59 min
